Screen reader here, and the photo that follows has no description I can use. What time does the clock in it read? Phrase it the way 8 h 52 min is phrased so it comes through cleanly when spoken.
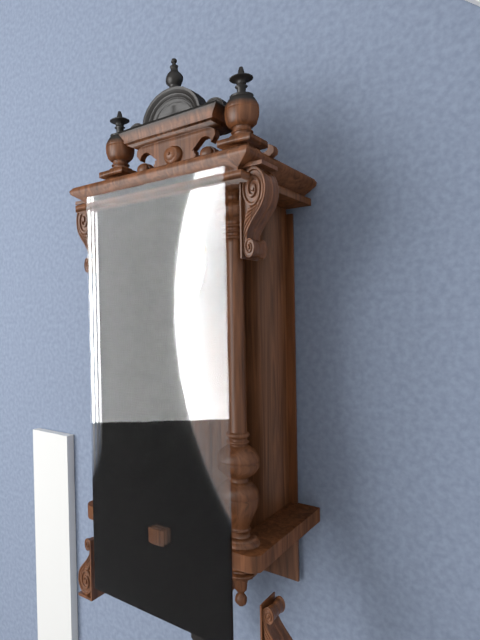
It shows 7 h 11 min
